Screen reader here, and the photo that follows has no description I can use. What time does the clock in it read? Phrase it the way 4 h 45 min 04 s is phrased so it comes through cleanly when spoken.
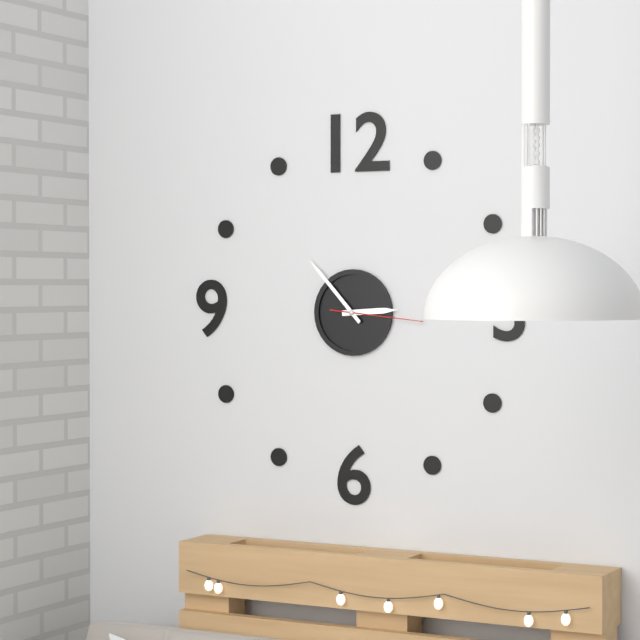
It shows 2 h 53 min 16 s
